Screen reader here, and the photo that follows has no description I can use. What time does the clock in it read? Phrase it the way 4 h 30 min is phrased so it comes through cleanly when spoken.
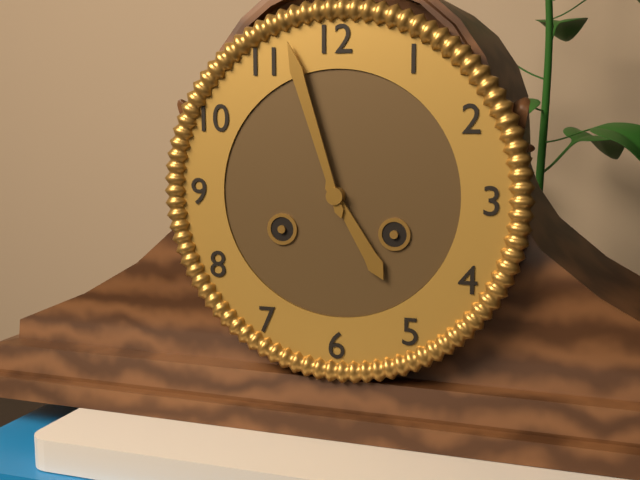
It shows 4 h 57 min
